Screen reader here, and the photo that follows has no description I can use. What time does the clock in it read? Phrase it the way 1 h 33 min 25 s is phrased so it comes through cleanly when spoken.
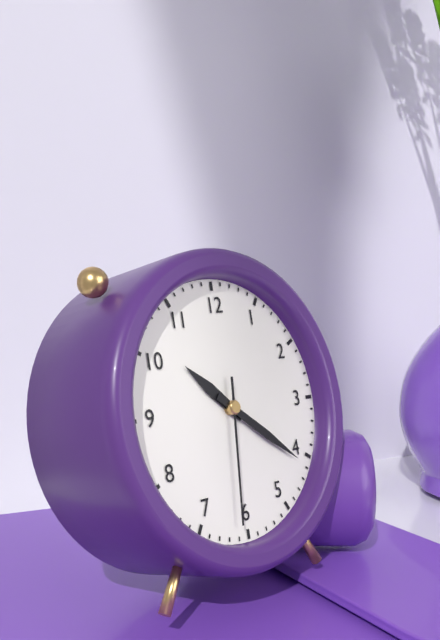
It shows 10 h 21 min 31 s
